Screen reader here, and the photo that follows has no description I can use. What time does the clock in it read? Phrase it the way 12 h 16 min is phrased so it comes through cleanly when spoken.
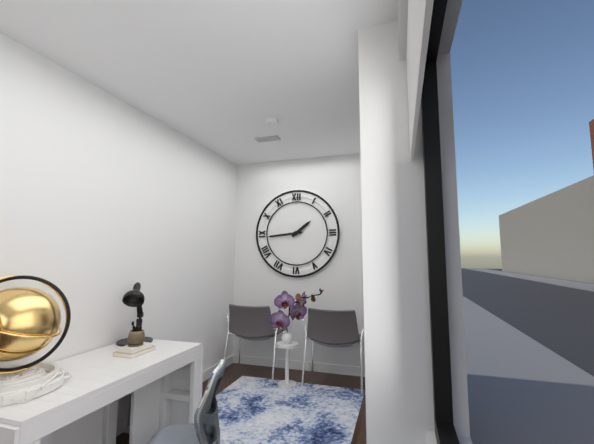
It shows 1 h 44 min
